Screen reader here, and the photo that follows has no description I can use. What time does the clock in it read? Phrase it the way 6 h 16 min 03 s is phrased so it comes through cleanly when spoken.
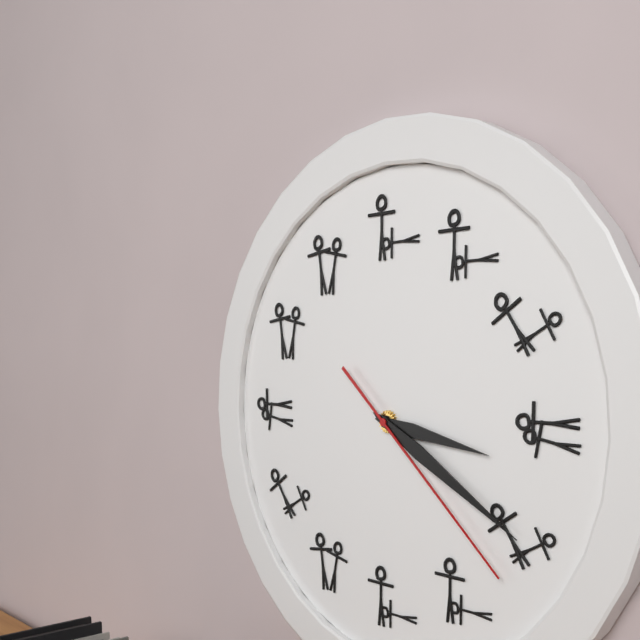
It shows 3 h 20 min 22 s
